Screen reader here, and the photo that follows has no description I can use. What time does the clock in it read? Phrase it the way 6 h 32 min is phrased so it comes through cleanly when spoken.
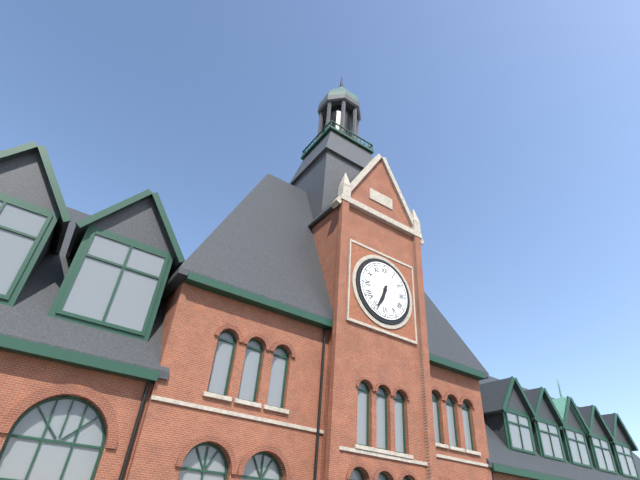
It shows 6 h 34 min
